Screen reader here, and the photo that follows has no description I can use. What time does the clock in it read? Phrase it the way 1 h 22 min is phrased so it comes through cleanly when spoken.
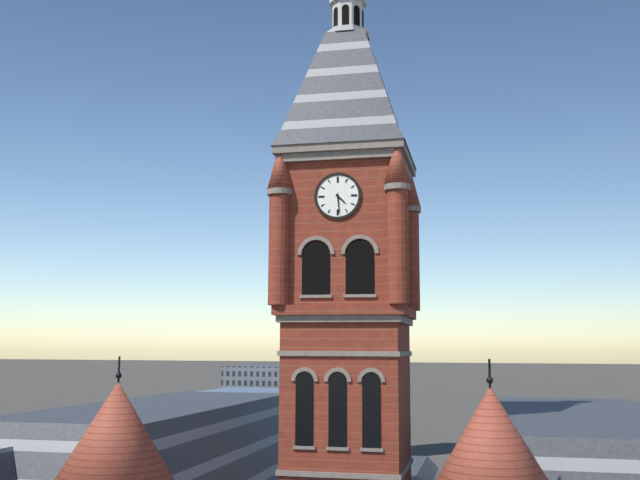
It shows 4 h 29 min
